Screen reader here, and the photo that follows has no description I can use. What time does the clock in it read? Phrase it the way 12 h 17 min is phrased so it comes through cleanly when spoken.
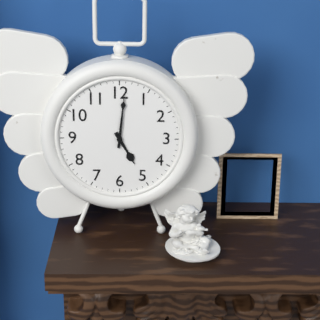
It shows 5 h 01 min
